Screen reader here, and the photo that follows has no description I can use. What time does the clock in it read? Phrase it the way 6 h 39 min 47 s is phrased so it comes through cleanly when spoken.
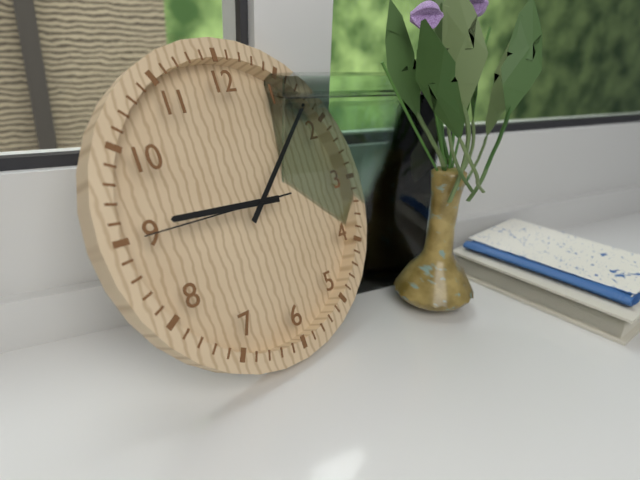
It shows 9 h 08 min 45 s
